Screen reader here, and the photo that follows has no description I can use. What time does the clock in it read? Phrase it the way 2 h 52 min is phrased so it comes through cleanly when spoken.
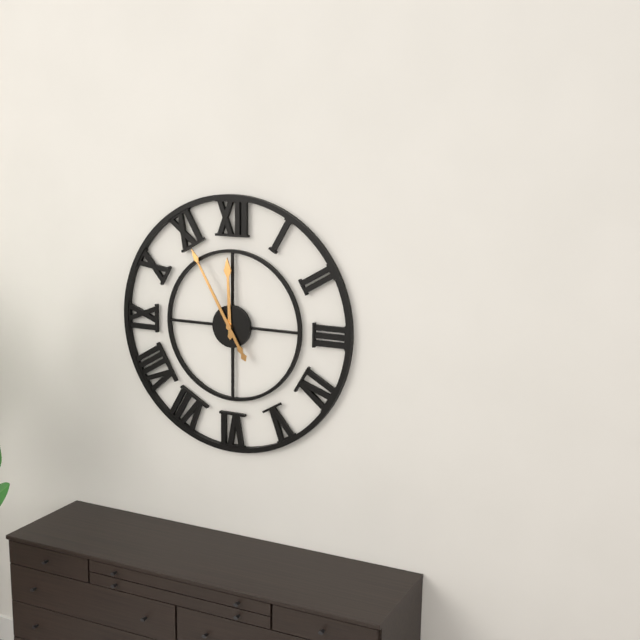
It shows 11 h 55 min
